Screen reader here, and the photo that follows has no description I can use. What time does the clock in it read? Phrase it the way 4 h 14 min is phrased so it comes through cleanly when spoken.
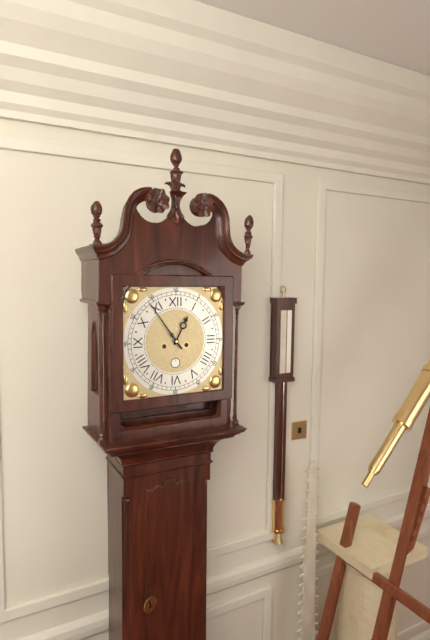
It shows 12 h 54 min
